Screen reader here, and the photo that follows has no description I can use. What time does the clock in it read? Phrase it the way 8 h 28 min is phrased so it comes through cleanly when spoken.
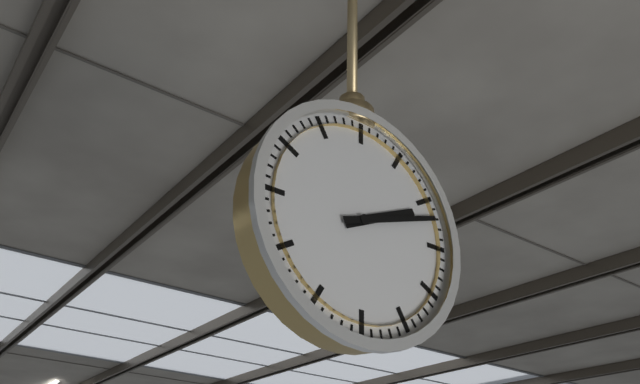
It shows 2 h 12 min
